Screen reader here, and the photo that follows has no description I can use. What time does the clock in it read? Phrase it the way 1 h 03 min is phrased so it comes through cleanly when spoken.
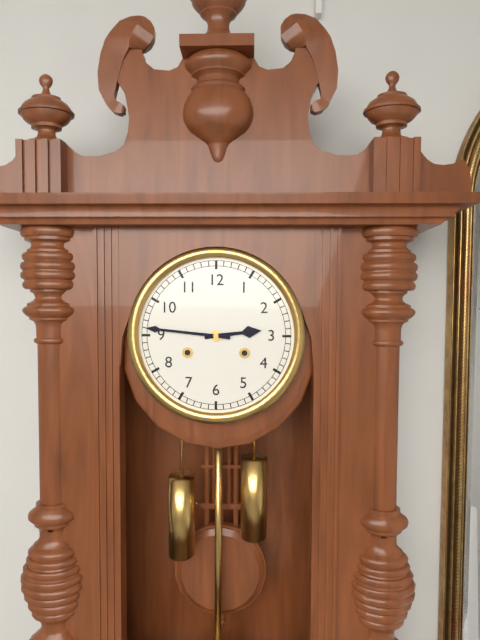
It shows 2 h 46 min
